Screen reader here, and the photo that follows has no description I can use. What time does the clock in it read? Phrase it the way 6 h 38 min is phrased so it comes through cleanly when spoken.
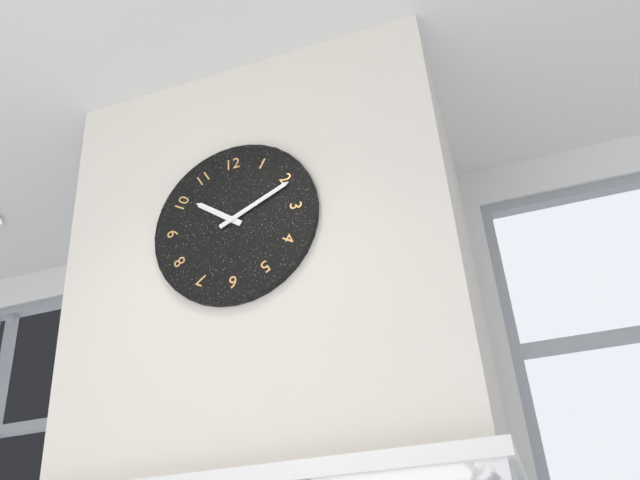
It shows 10 h 11 min
